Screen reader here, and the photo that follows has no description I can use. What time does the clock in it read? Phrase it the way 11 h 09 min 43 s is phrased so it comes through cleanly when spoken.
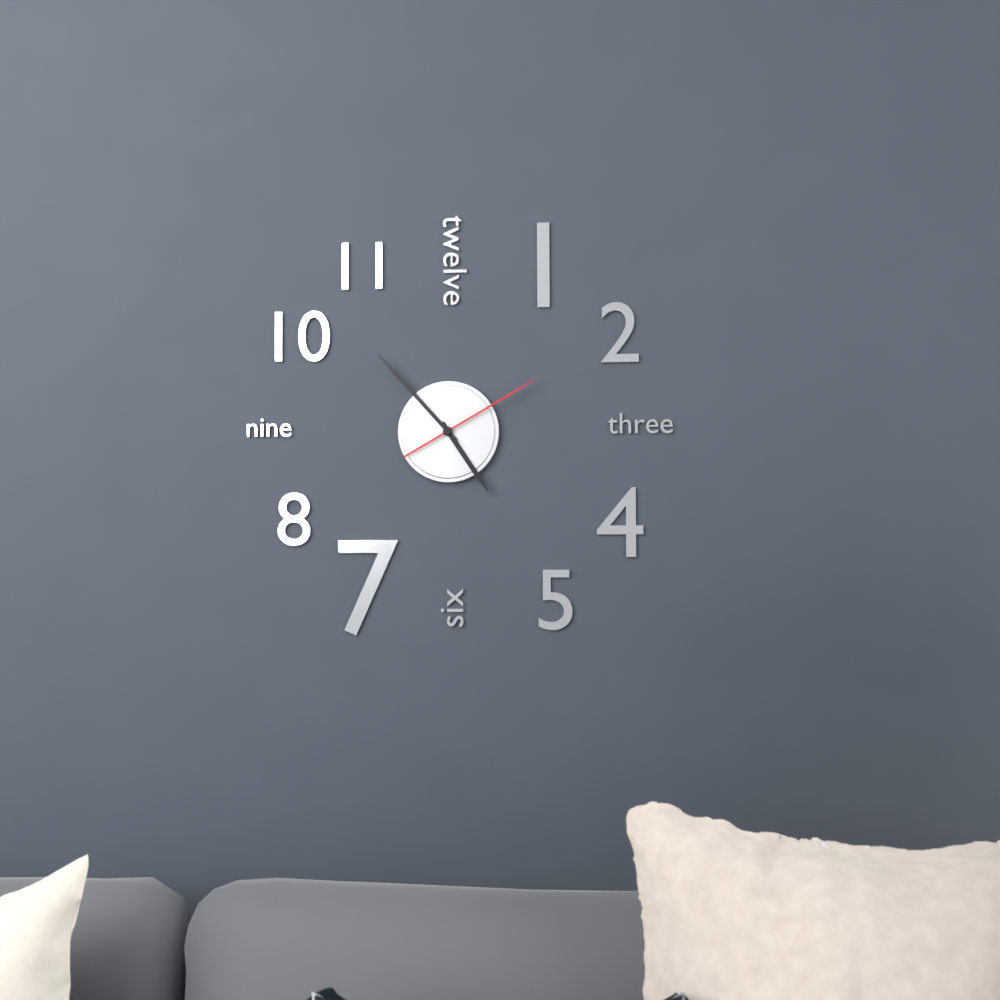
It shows 4 h 53 min 10 s
